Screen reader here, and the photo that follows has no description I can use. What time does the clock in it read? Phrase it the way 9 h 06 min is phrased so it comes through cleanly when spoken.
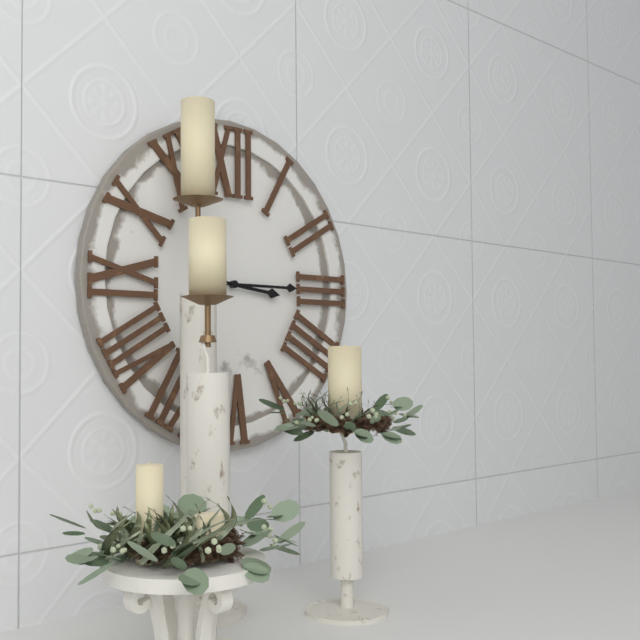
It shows 3 h 15 min
